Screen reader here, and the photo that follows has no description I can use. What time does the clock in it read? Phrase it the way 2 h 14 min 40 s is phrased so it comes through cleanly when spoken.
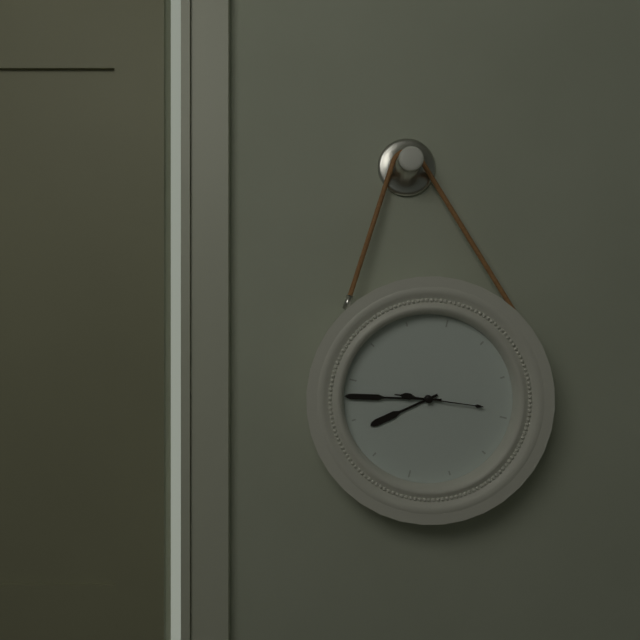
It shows 7 h 43 min 14 s
